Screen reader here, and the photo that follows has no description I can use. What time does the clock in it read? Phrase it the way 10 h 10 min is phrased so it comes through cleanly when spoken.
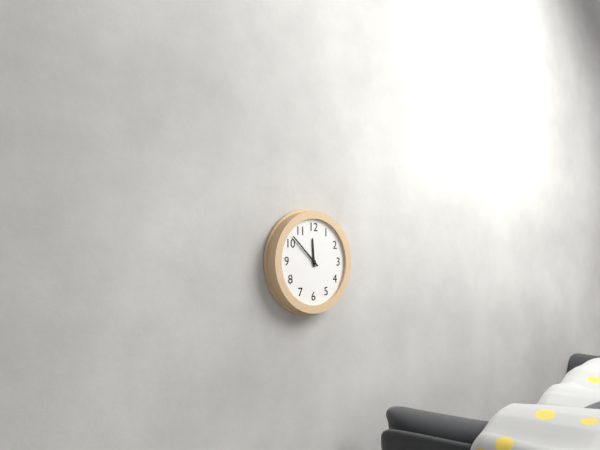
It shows 11 h 52 min
